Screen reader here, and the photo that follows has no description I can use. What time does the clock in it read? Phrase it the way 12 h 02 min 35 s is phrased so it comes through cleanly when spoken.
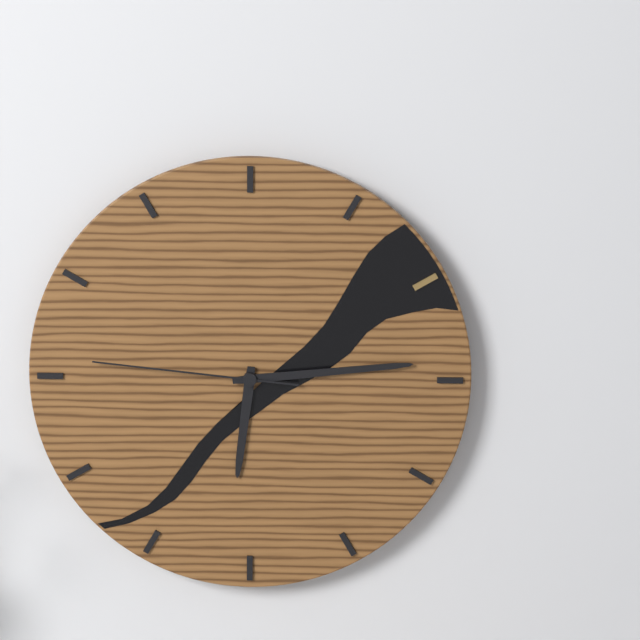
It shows 6 h 14 min 46 s
